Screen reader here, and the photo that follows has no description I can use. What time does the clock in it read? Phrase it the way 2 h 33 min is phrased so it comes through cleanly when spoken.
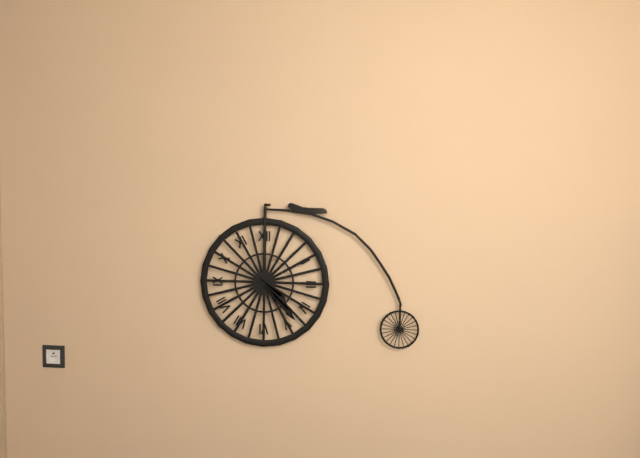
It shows 4 h 23 min
